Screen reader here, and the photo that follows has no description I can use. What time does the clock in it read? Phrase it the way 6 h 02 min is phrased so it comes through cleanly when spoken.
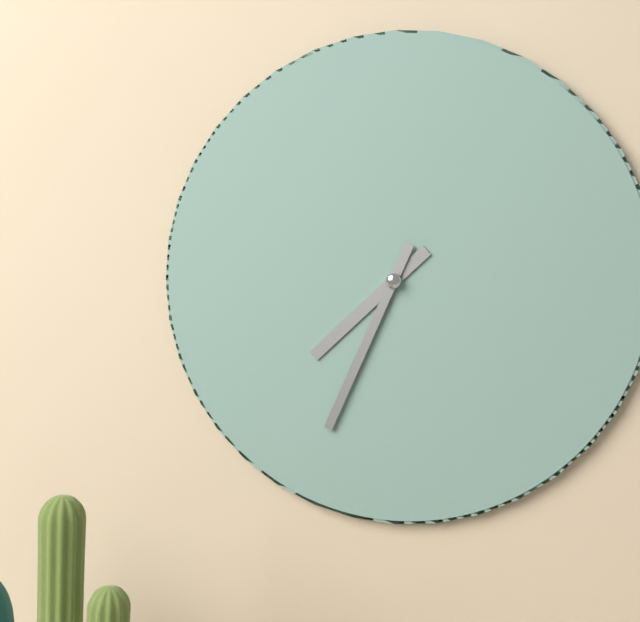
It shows 7 h 34 min
